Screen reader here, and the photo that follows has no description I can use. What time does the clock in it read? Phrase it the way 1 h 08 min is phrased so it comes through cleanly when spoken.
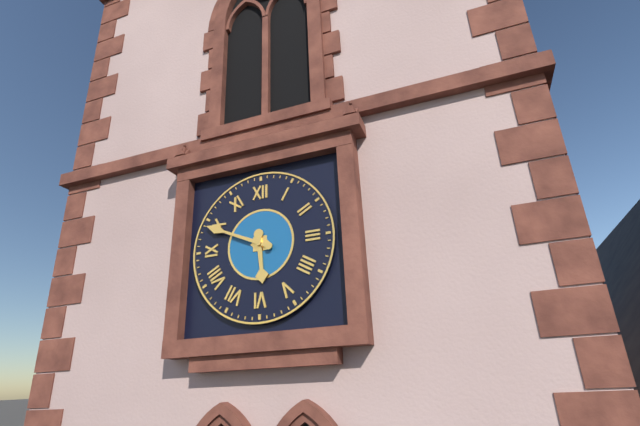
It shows 5 h 49 min
